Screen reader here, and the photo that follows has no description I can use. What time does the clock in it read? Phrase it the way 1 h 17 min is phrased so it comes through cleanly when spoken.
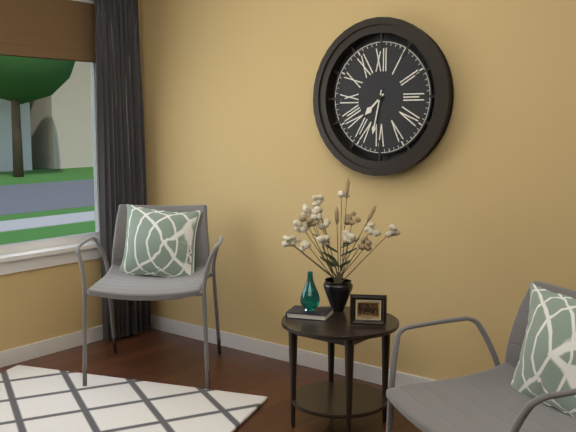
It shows 7 h 32 min
